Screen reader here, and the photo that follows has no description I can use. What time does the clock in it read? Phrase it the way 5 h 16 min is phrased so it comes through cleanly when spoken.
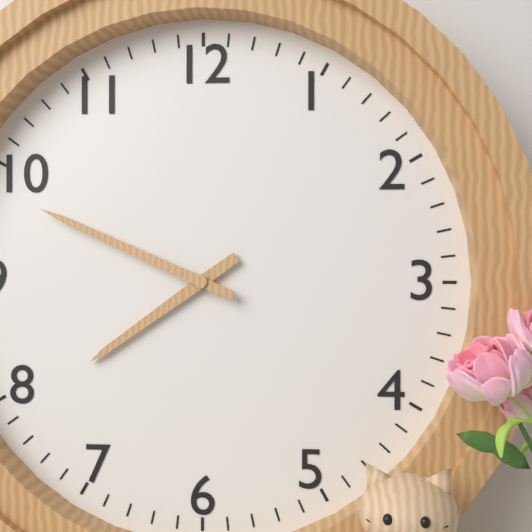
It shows 7 h 49 min
